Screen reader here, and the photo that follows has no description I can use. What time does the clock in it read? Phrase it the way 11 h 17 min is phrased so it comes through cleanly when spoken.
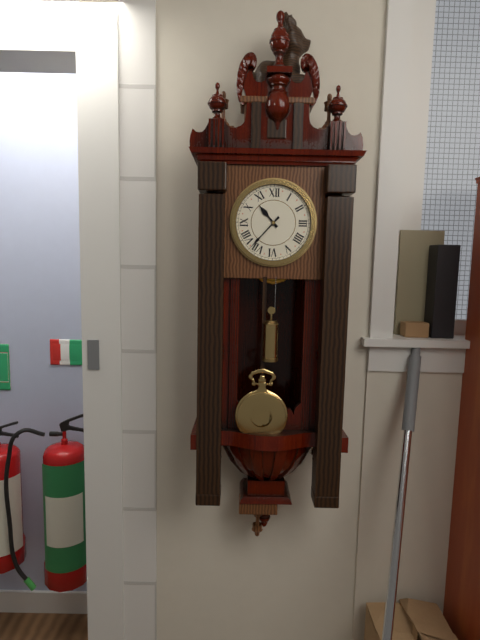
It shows 10 h 37 min
